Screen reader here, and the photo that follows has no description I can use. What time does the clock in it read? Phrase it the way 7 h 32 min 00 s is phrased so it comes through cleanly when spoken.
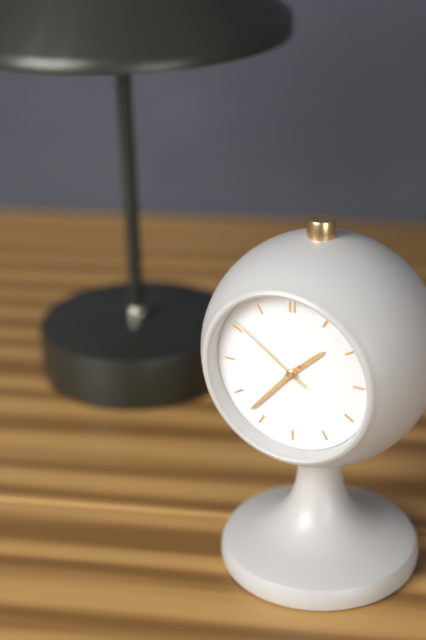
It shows 1 h 37 min 51 s
